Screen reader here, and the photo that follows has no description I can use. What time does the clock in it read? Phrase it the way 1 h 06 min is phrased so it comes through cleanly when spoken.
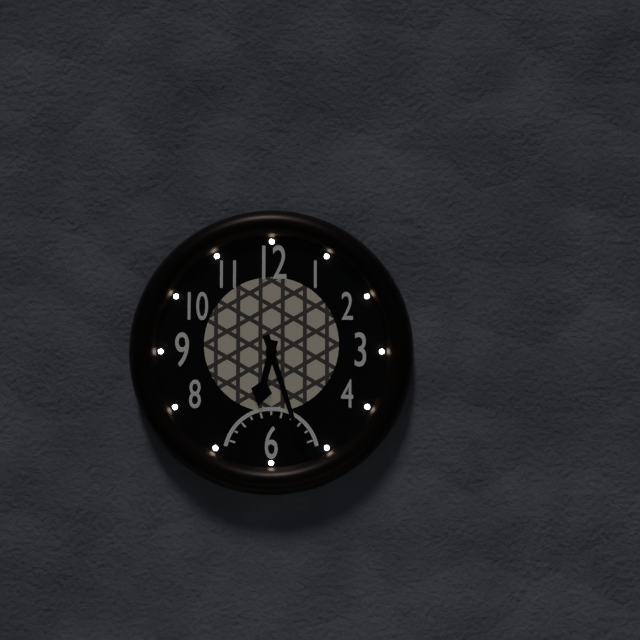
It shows 6 h 27 min
